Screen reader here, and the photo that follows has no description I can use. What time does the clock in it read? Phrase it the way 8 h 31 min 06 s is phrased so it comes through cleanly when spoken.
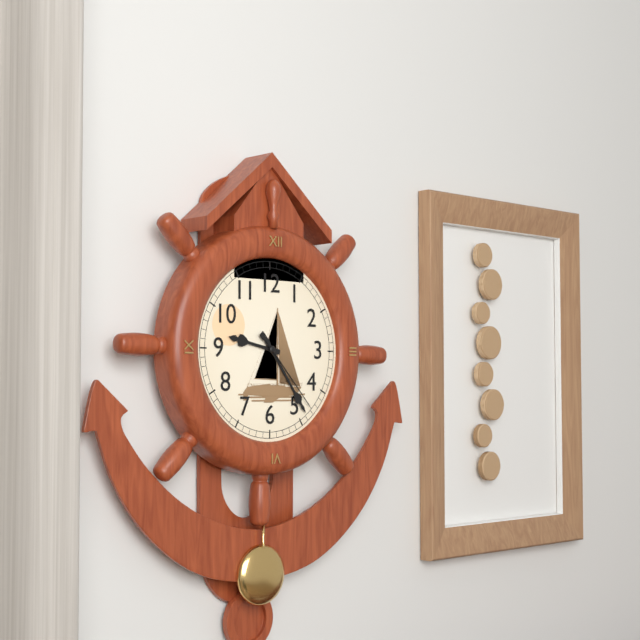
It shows 9 h 24 min 23 s
